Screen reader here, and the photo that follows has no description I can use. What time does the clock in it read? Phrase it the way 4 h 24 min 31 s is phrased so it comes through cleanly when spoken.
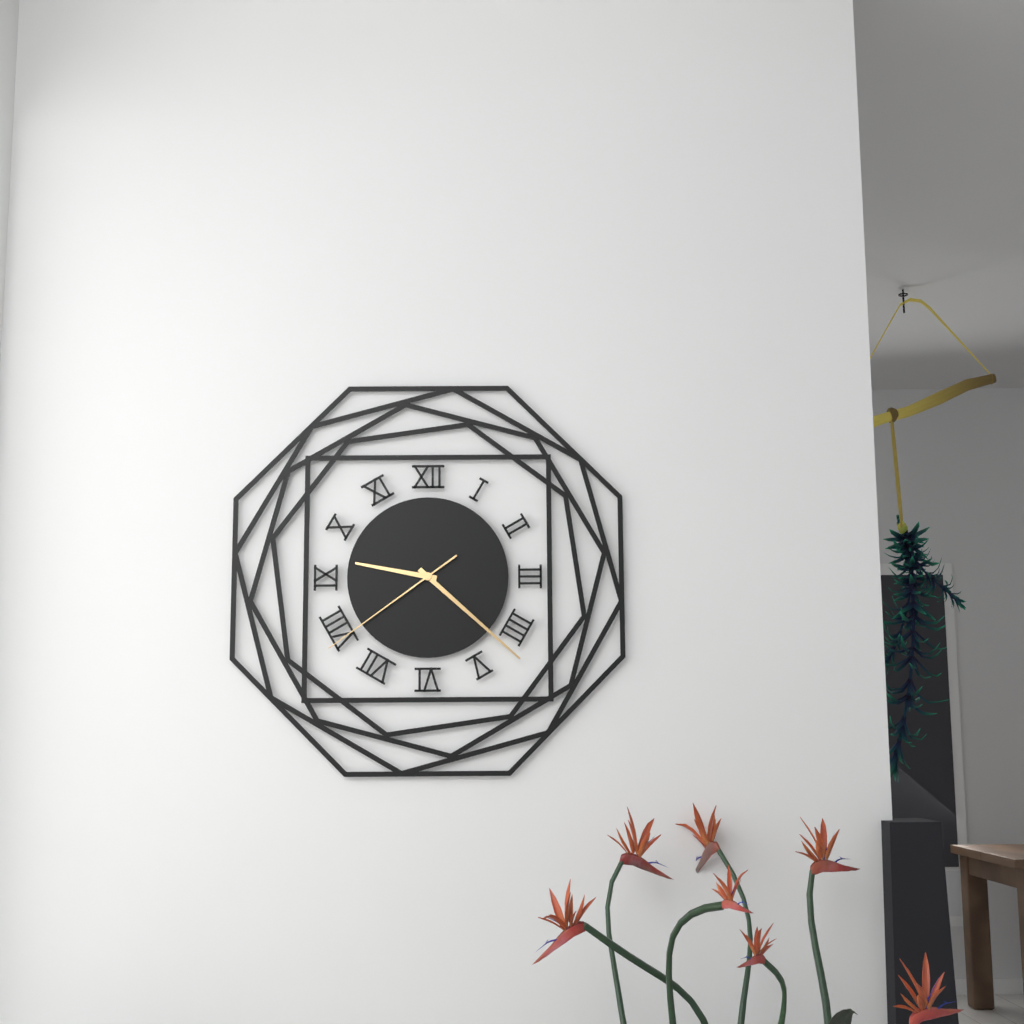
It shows 9 h 22 min 39 s
